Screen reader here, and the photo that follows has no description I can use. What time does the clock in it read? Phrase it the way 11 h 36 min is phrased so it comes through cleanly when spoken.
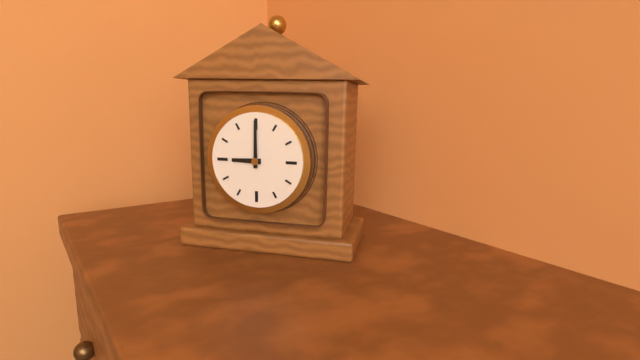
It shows 9 h 00 min
